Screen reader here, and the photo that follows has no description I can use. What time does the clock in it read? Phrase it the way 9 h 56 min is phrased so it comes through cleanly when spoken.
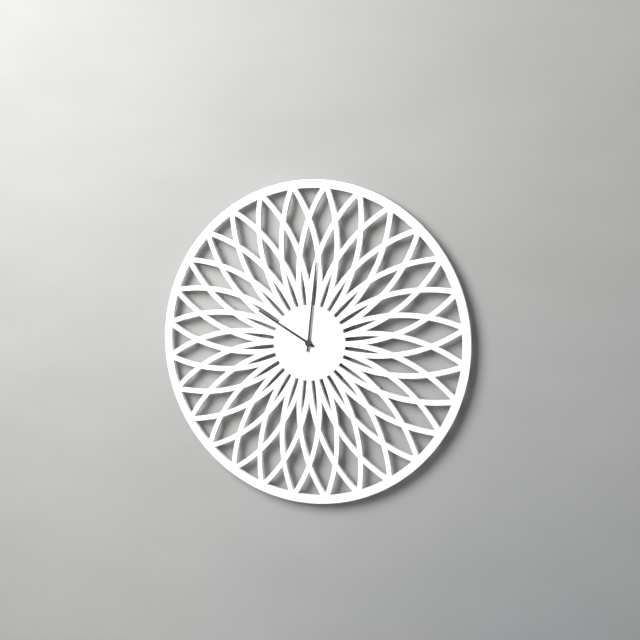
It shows 10 h 01 min
